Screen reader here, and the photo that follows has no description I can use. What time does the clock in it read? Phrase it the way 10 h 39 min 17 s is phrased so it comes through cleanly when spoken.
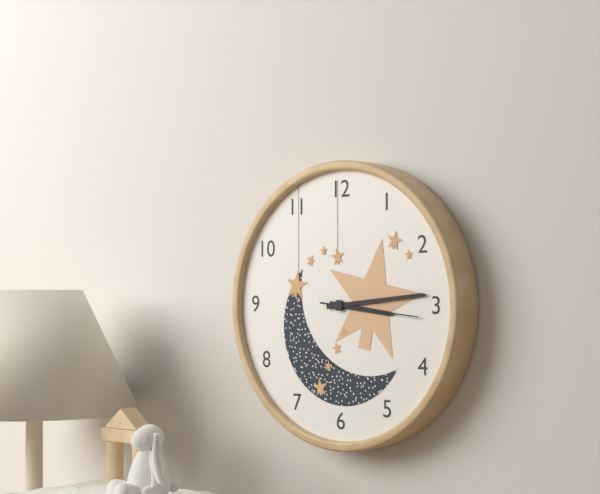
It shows 3 h 14 min 16 s
